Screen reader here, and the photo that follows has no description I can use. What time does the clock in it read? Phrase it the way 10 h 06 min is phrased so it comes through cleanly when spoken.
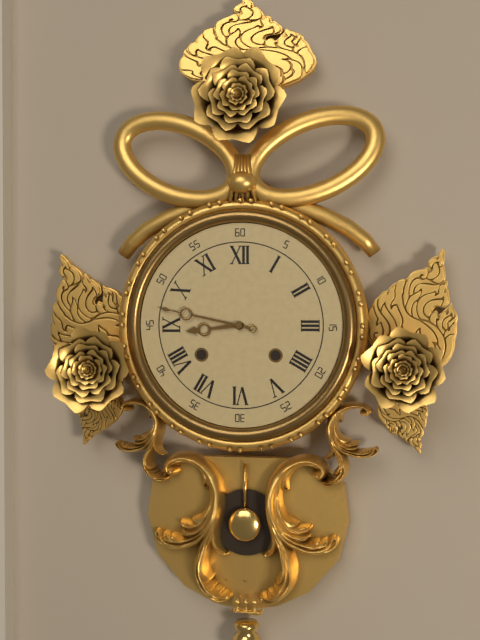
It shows 8 h 47 min
